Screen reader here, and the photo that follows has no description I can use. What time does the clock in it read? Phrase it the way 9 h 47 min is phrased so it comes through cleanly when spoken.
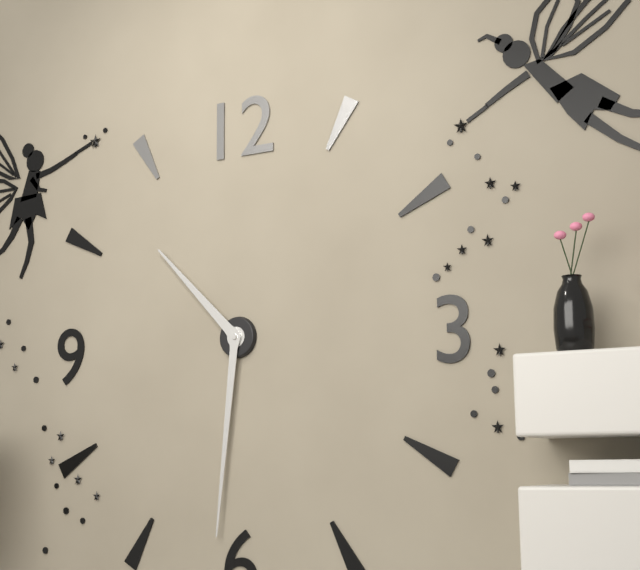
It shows 10 h 31 min
